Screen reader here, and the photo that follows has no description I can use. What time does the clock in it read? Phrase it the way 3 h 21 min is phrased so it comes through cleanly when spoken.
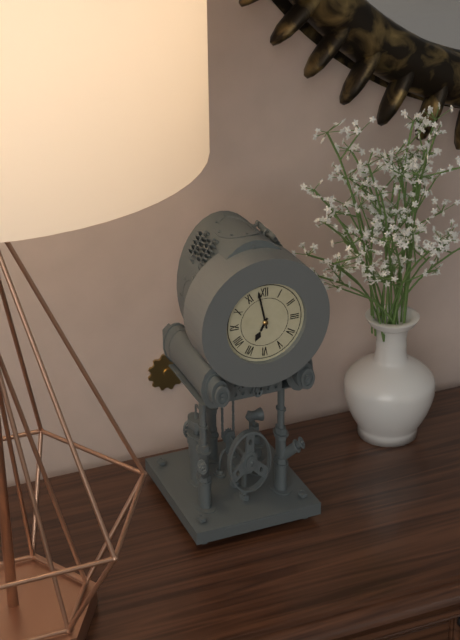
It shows 6 h 58 min
